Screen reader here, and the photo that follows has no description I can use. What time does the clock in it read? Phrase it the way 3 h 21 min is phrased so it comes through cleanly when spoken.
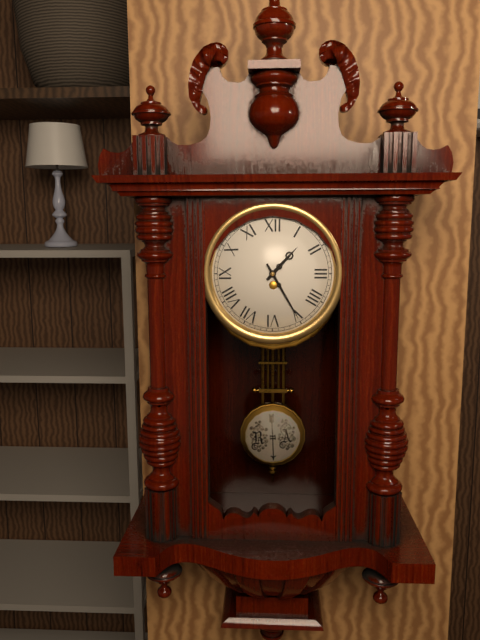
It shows 1 h 25 min
